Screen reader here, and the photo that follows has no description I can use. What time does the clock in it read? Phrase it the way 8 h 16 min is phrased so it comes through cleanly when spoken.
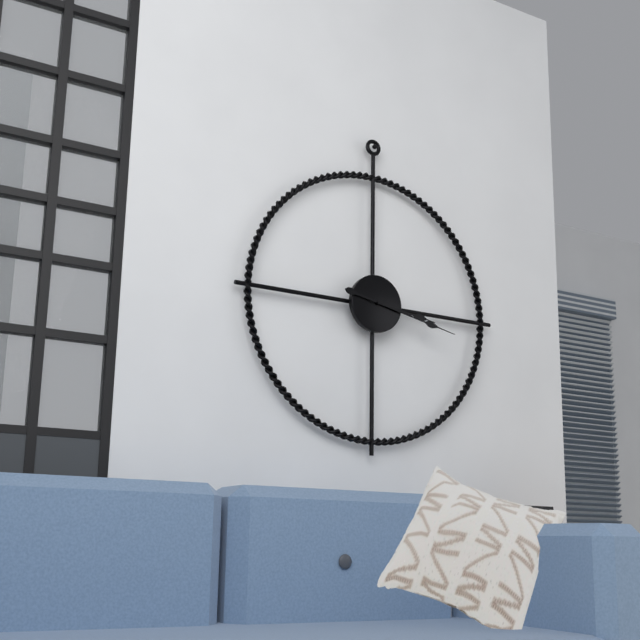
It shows 3 h 17 min
